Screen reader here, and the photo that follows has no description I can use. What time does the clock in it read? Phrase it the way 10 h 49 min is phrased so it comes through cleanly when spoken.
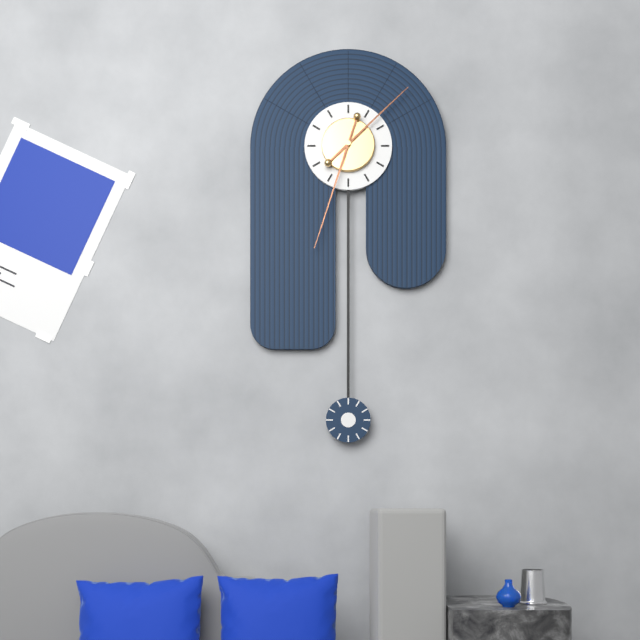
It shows 1 h 33 min
